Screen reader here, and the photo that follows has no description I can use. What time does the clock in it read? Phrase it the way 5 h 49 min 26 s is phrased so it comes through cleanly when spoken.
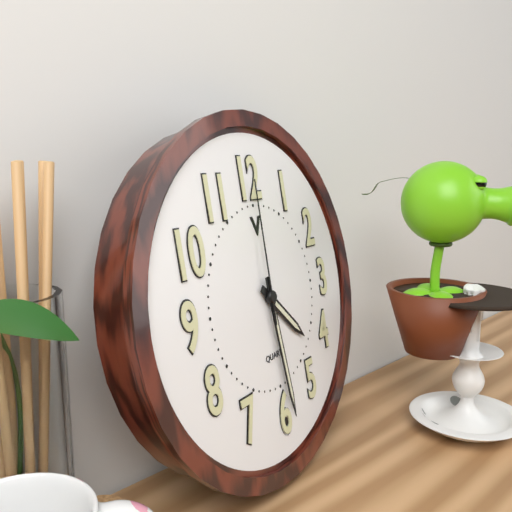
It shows 4 h 29 min 00 s
